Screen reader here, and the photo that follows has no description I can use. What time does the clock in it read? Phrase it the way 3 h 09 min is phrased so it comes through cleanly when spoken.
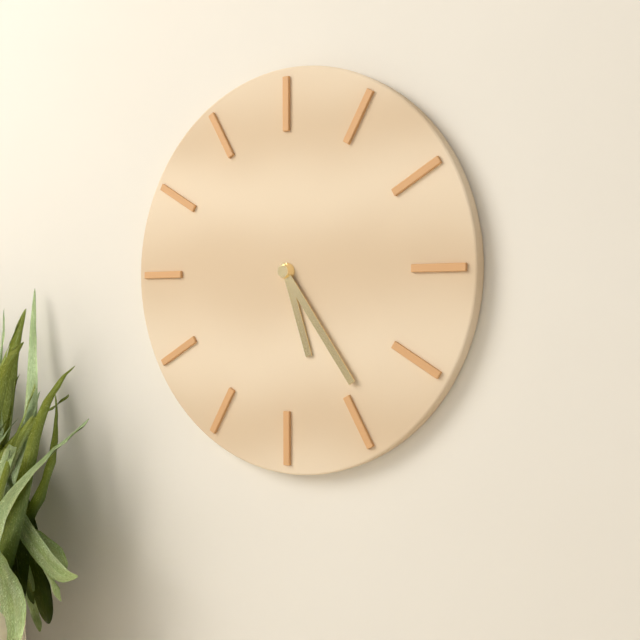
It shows 5 h 24 min
